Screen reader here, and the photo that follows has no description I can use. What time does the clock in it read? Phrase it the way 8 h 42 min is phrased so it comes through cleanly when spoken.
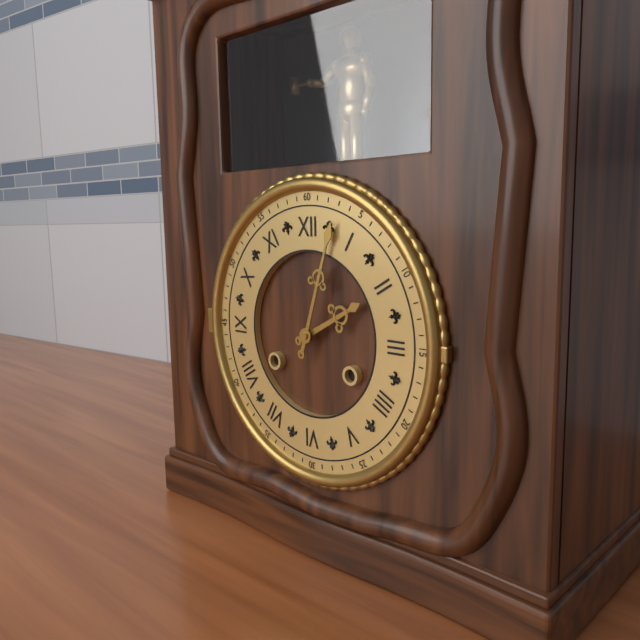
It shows 2 h 03 min
